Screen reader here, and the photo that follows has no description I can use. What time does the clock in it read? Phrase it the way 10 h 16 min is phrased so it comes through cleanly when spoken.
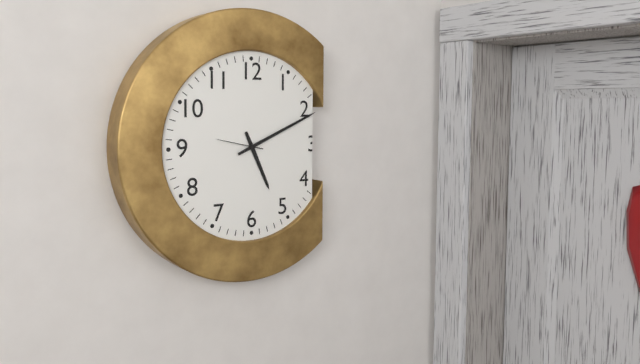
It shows 5 h 11 min
